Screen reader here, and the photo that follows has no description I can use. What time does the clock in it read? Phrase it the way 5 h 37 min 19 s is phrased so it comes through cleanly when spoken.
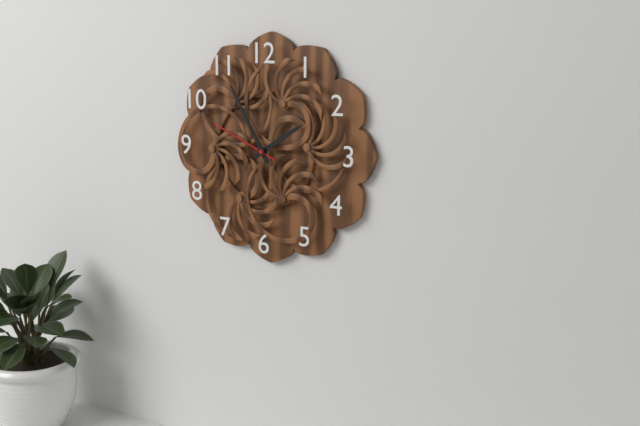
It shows 1 h 55 min 49 s
